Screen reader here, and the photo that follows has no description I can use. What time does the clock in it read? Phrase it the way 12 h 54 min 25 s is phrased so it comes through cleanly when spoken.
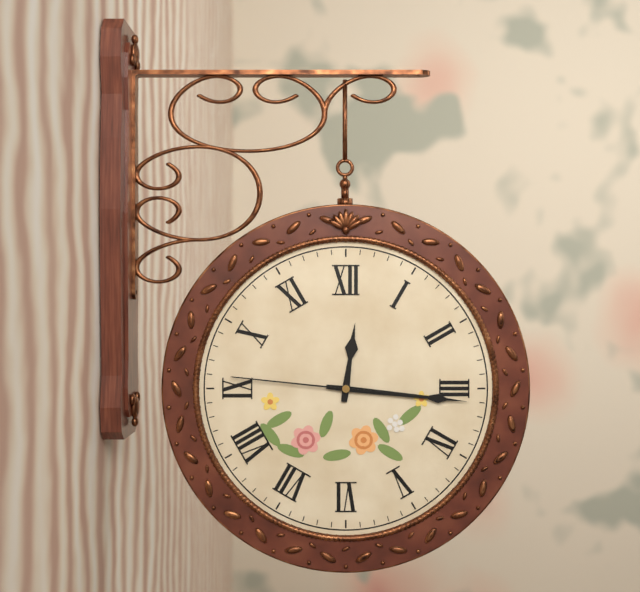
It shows 12 h 16 min 46 s
